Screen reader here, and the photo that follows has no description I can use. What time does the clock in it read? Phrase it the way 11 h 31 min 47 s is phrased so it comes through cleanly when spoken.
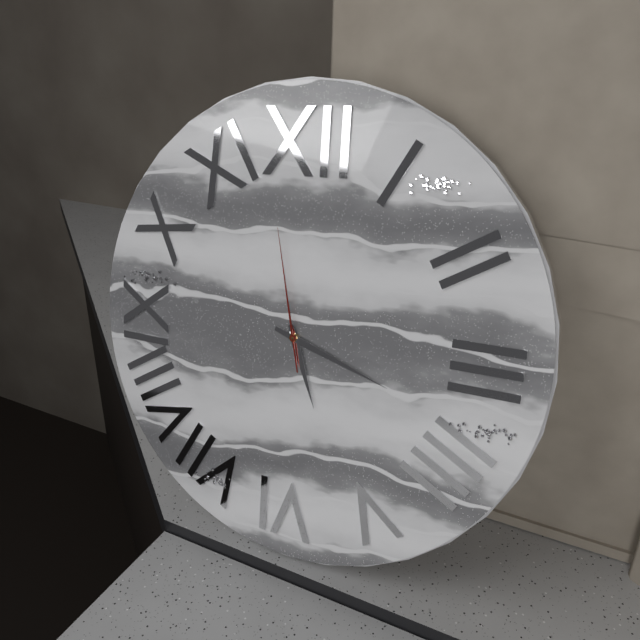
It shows 5 h 18 min 58 s
